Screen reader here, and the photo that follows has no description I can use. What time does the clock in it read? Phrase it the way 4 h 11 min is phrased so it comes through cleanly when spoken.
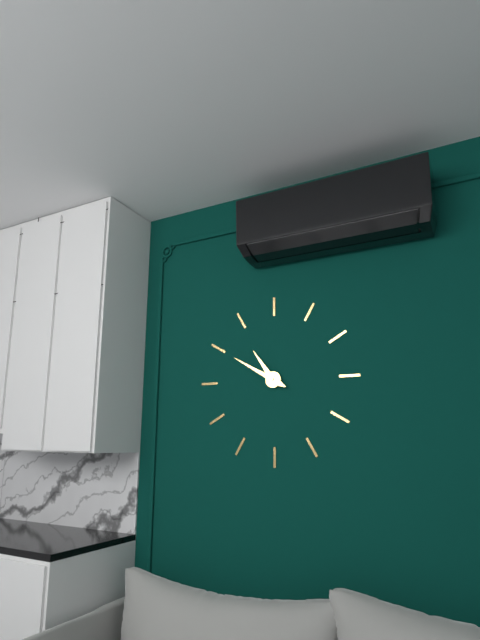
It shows 10 h 50 min
